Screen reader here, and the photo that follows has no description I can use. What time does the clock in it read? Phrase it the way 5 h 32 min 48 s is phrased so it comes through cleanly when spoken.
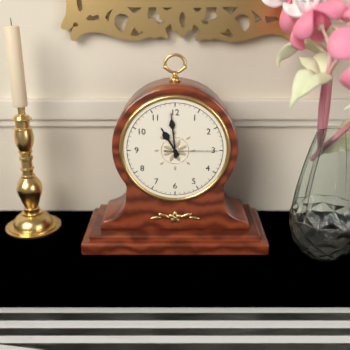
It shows 10 h 59 min 15 s
